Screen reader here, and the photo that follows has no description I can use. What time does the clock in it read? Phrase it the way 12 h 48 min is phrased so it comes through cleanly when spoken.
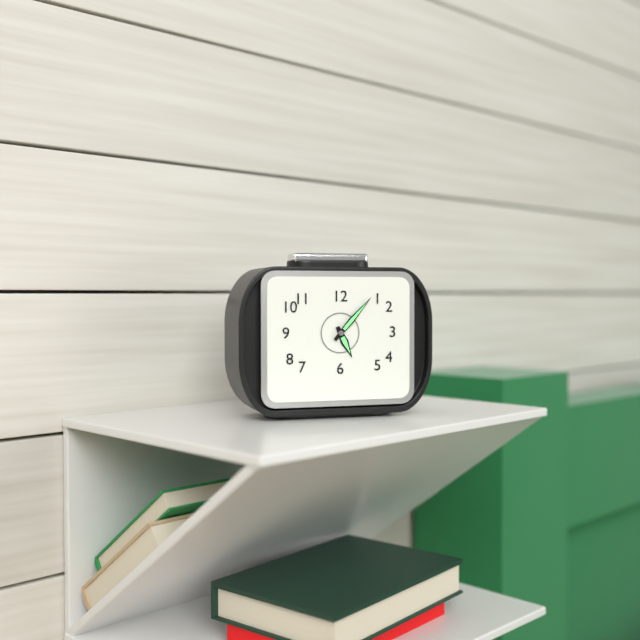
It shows 5 h 07 min
